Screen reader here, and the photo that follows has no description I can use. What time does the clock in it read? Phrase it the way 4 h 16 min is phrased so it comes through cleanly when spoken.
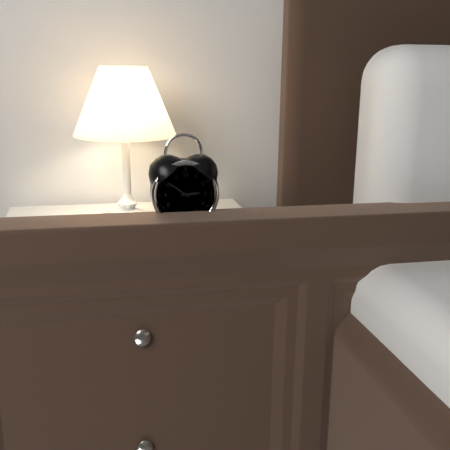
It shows 2 h 51 min
